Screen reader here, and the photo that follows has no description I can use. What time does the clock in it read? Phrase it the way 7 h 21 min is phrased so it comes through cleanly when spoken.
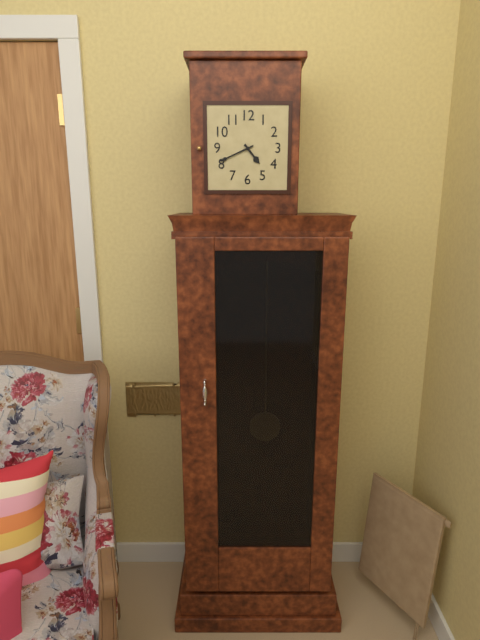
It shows 4 h 41 min
